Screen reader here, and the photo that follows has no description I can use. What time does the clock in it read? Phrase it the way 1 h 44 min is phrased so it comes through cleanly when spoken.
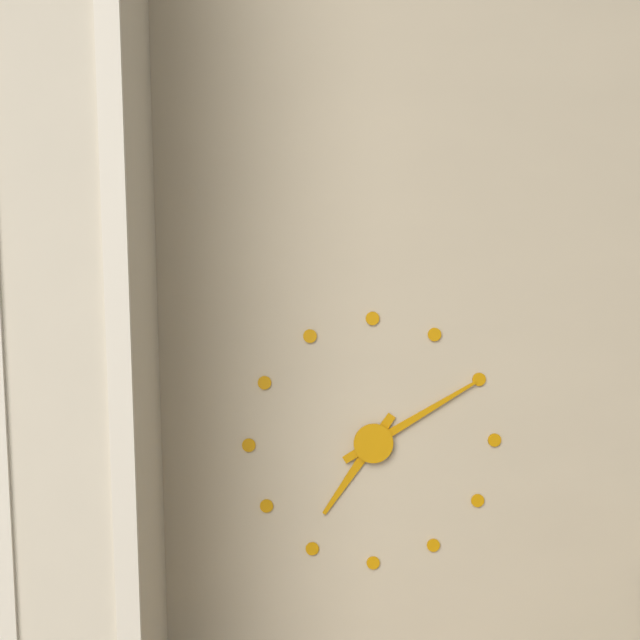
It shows 7 h 10 min
